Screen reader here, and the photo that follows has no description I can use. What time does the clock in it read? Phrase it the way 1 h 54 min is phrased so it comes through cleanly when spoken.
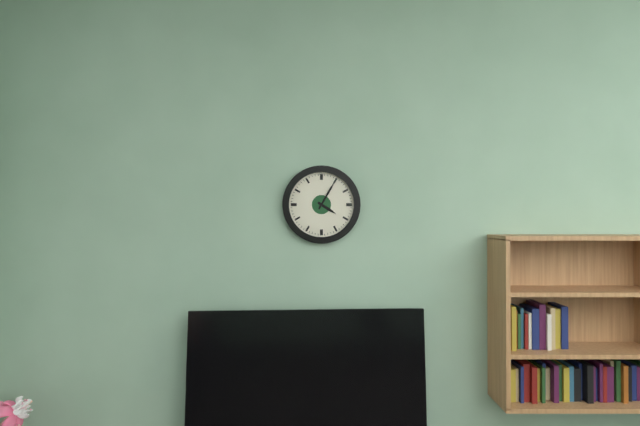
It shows 4 h 05 min
